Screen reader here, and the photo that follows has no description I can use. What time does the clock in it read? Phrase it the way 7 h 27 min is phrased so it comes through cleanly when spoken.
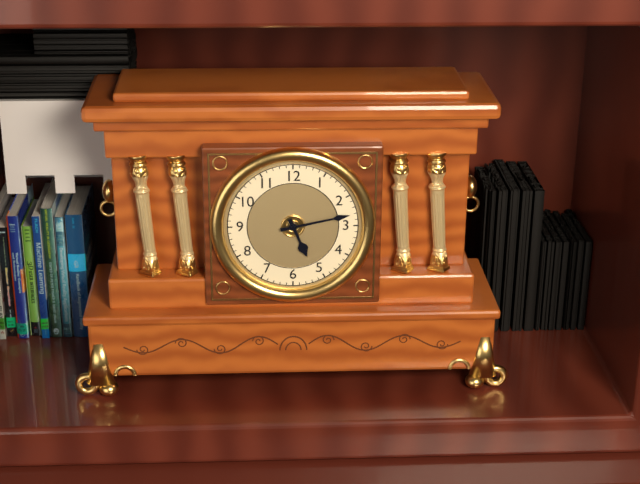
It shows 5 h 13 min
